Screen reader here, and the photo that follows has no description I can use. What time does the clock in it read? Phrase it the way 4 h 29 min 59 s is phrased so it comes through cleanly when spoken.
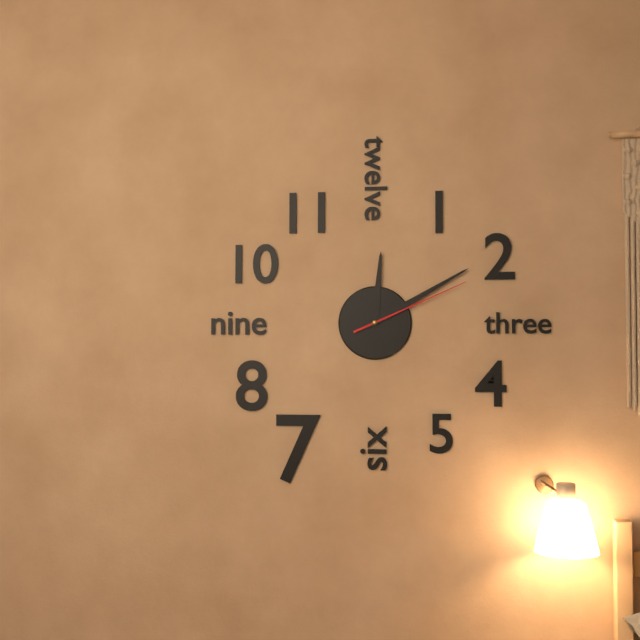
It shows 12 h 10 min 11 s
